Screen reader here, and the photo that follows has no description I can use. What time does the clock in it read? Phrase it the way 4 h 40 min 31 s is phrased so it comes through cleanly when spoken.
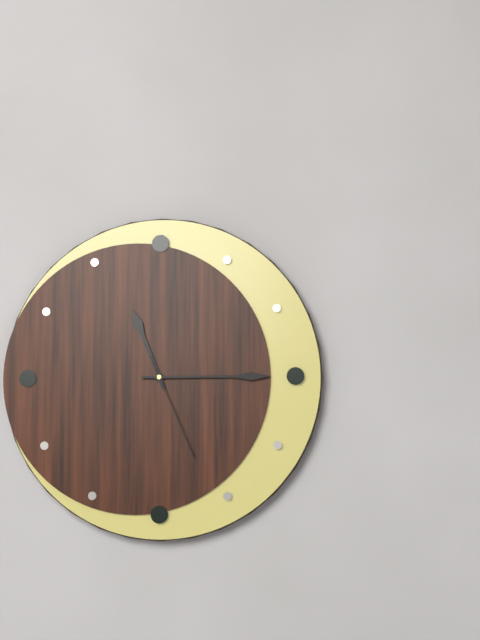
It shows 11 h 15 min 26 s
